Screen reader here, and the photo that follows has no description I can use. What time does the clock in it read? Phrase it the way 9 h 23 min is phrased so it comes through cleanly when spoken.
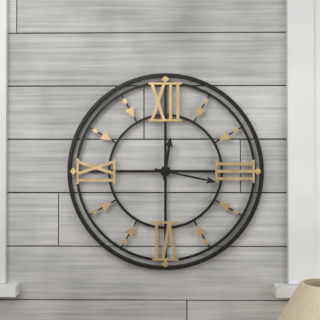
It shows 12 h 17 min
